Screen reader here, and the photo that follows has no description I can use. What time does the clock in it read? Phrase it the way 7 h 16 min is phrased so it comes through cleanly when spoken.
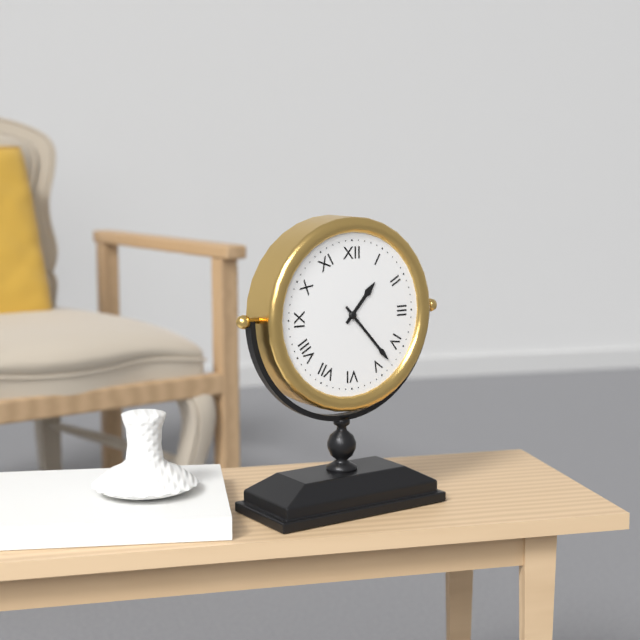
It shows 1 h 23 min
